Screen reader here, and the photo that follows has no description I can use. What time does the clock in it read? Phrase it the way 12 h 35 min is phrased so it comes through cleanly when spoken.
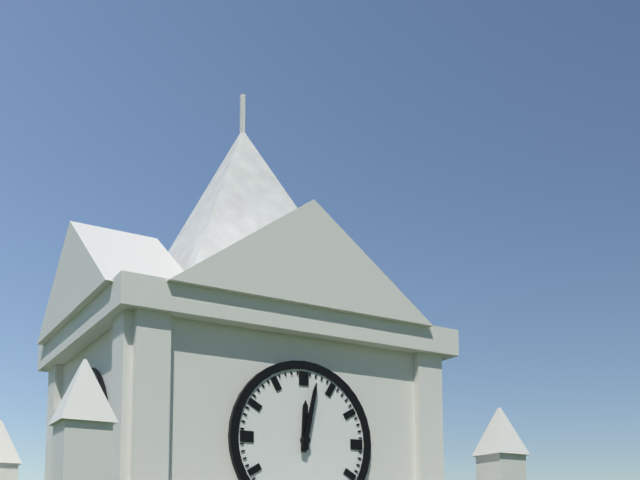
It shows 12 h 02 min
